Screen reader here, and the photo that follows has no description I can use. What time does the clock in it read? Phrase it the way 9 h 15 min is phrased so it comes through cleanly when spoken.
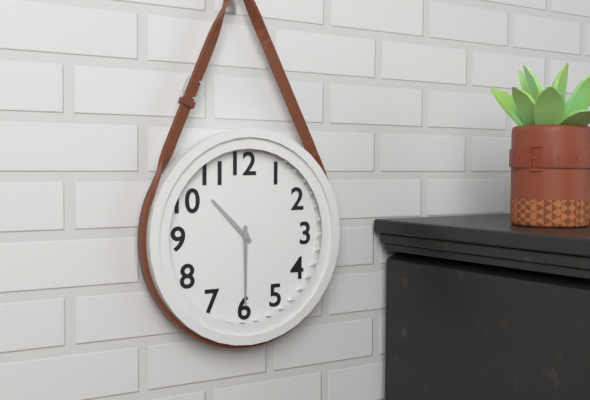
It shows 10 h 30 min
